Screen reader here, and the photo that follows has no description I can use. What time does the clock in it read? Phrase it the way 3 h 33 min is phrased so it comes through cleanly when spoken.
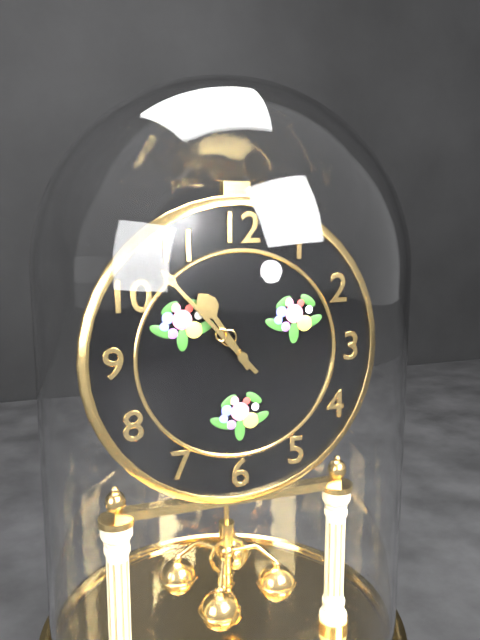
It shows 10 h 53 min
